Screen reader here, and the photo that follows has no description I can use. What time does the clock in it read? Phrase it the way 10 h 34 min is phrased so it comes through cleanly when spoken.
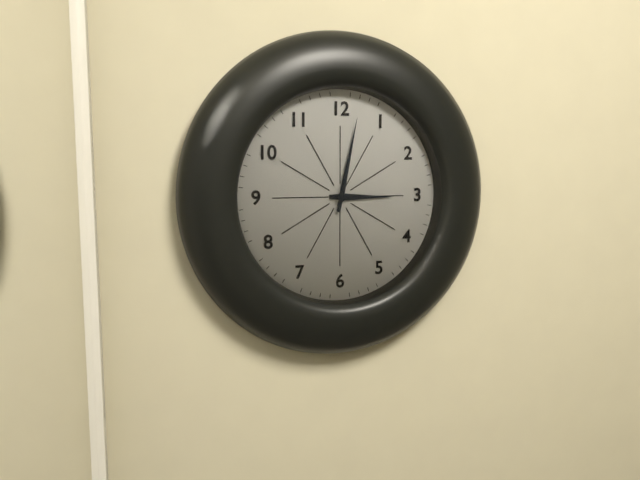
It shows 3 h 02 min
